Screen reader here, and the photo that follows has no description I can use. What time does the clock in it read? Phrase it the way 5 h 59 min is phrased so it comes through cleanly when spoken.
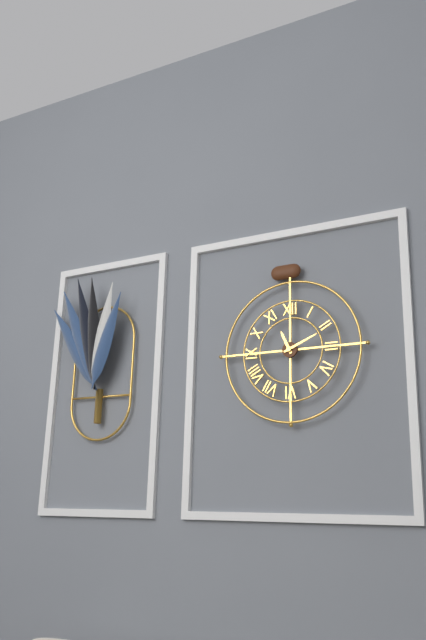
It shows 11 h 11 min
